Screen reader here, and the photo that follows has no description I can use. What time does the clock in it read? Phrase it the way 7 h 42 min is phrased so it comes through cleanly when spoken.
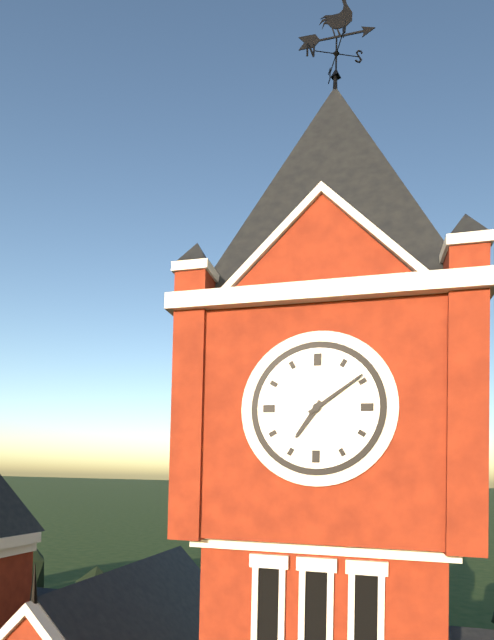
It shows 7 h 09 min
